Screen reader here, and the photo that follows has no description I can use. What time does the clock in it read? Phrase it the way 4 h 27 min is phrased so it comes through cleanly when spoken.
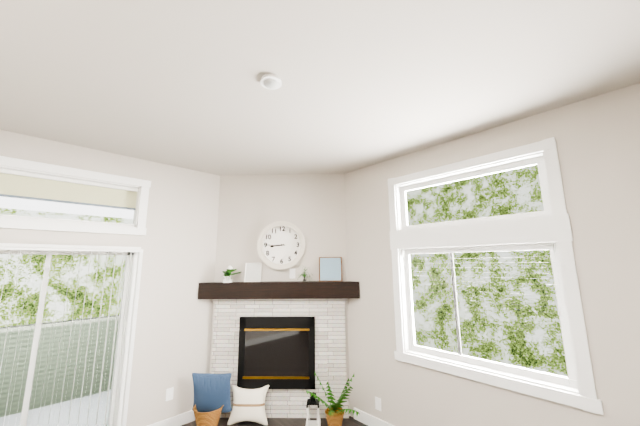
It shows 8 h 45 min
